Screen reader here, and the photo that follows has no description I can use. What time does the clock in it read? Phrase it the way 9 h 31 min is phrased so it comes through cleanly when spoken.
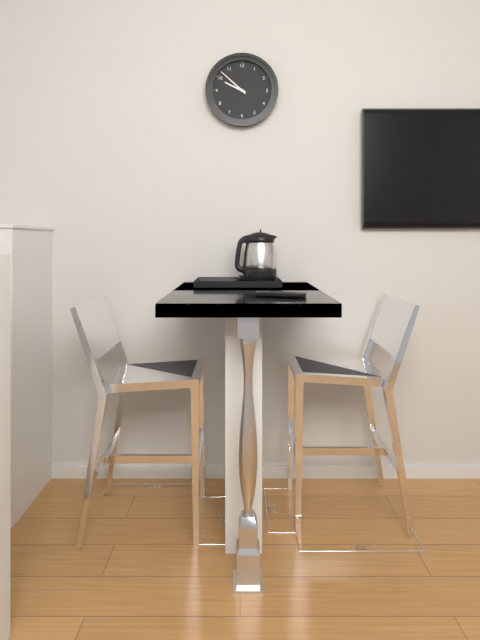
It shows 9 h 52 min
